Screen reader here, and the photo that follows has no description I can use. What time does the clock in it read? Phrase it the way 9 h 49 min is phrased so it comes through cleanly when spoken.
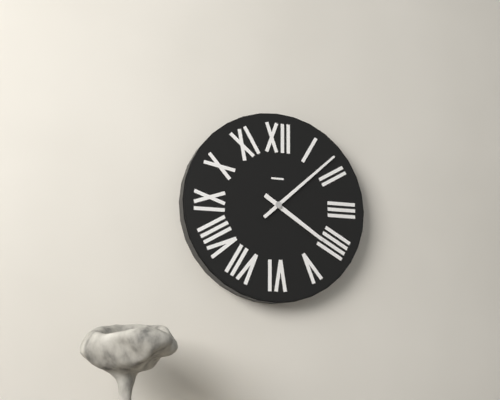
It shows 4 h 08 min
